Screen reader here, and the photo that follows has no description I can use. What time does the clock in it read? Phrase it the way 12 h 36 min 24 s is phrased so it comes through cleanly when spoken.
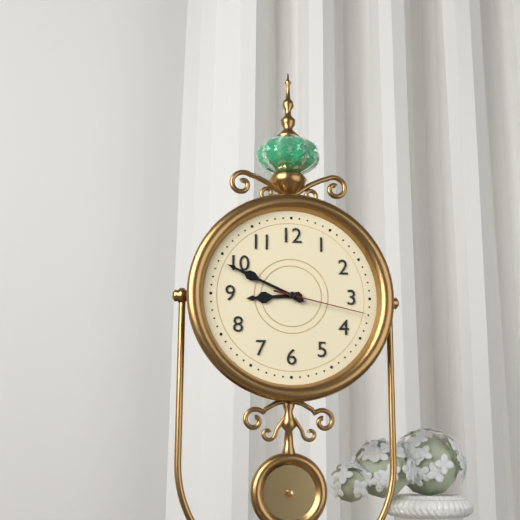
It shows 8 h 49 min 17 s
